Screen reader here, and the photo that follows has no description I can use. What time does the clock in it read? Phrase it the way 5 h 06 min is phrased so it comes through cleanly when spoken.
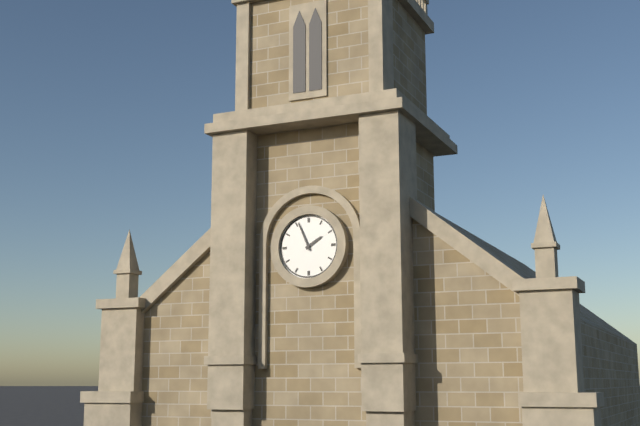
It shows 1 h 56 min
